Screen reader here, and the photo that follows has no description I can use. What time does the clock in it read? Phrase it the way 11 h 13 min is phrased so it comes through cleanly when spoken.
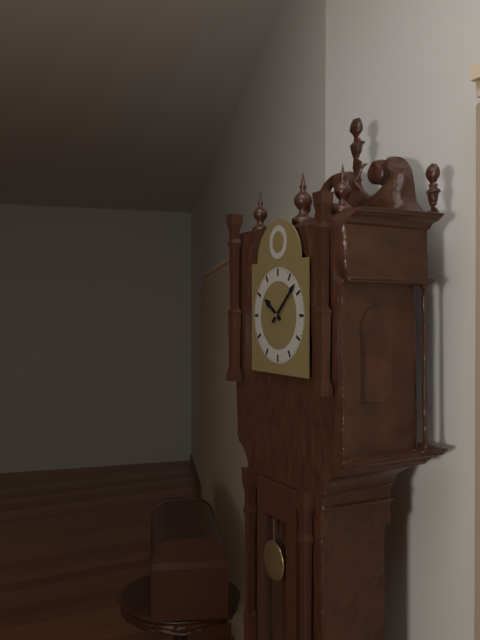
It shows 10 h 08 min
